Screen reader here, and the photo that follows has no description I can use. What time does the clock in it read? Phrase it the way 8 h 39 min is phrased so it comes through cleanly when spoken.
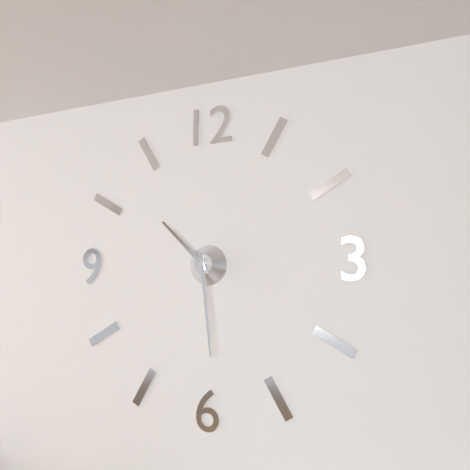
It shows 10 h 29 min
